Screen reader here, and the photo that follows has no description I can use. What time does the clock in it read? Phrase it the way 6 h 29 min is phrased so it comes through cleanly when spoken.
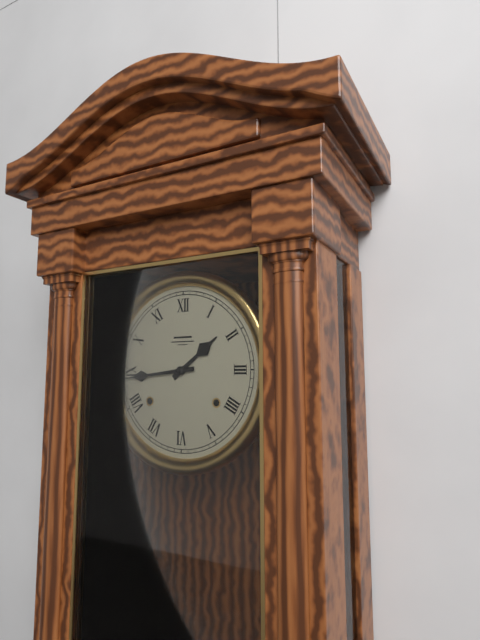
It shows 1 h 44 min
